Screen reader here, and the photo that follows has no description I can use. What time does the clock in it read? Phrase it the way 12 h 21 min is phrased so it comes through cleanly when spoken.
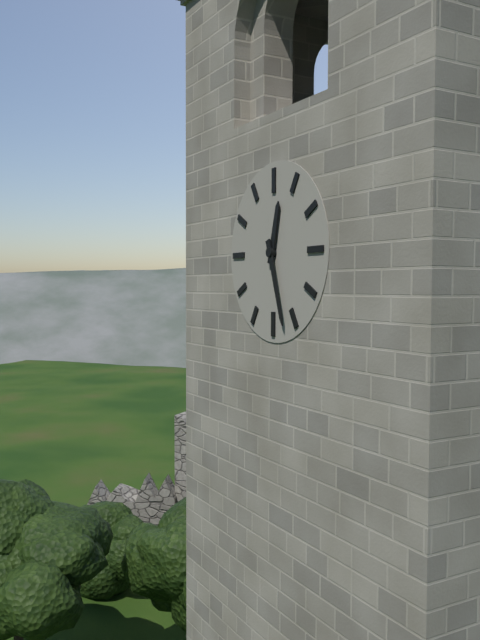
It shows 12 h 27 min
